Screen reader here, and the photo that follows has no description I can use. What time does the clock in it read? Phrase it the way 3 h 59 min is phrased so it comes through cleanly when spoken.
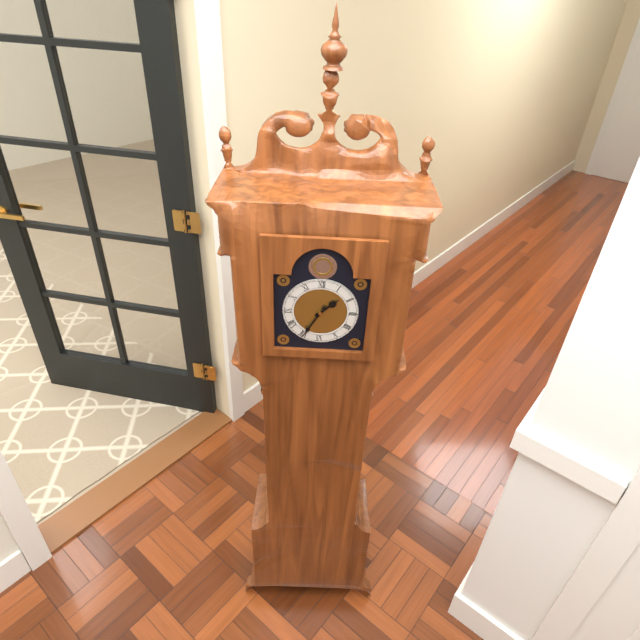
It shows 1 h 35 min
